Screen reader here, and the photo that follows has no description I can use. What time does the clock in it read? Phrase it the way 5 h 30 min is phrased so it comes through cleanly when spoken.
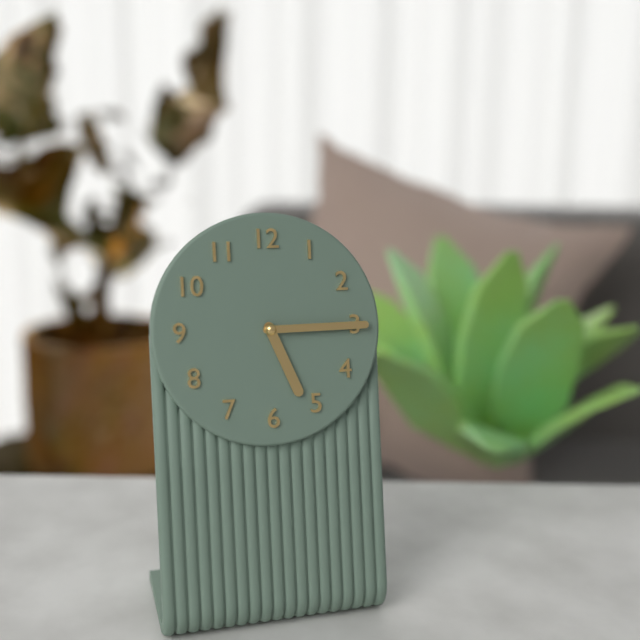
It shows 5 h 15 min
